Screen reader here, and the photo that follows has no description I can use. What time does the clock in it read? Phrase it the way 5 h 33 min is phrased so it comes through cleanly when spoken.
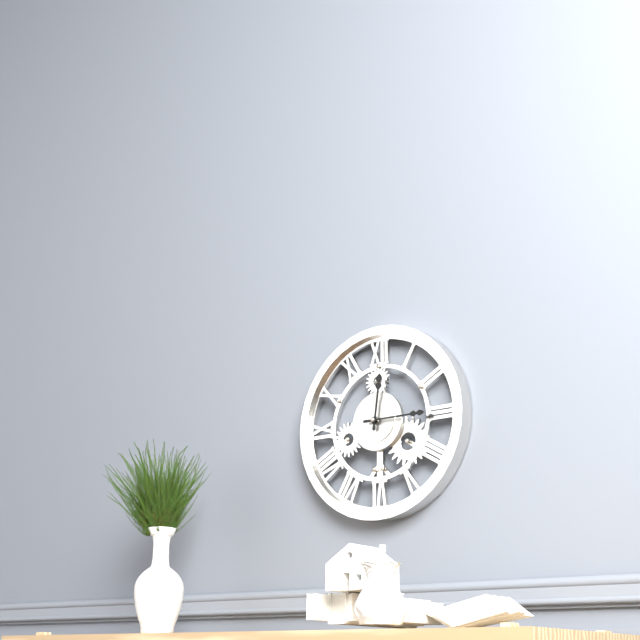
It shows 12 h 15 min
